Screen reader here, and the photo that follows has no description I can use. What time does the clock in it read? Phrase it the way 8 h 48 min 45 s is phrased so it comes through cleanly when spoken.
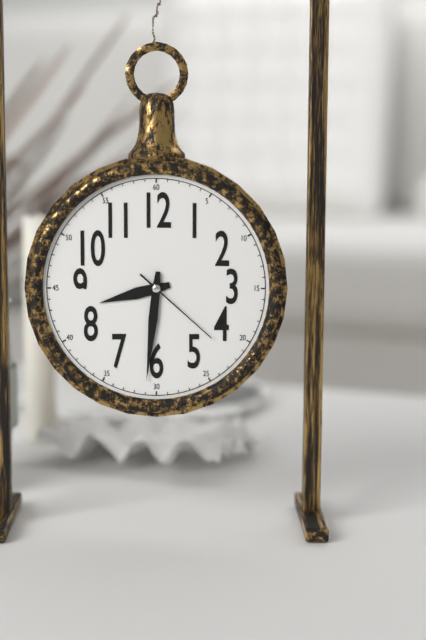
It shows 8 h 31 min 22 s
